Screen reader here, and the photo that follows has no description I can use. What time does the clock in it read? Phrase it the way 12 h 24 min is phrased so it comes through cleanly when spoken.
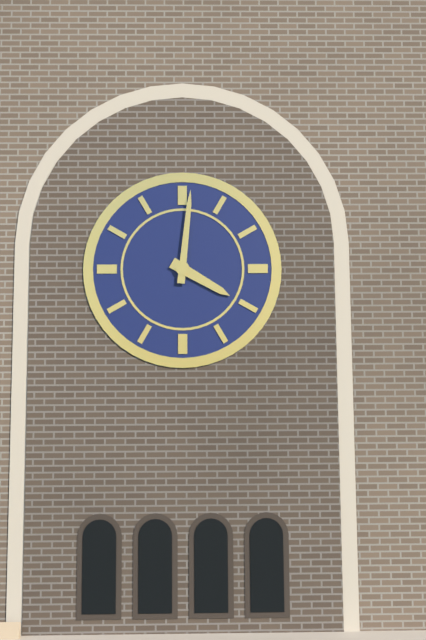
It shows 4 h 01 min
